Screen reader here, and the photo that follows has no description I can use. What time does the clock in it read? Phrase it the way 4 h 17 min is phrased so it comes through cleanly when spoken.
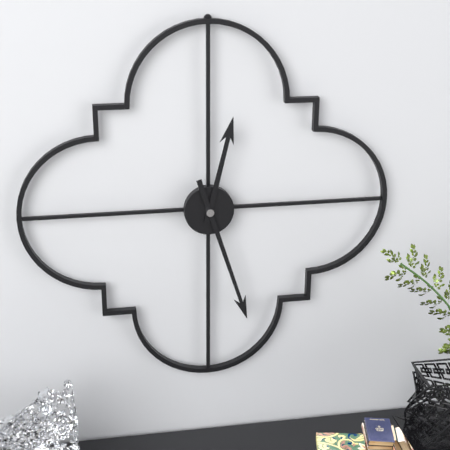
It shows 12 h 27 min
